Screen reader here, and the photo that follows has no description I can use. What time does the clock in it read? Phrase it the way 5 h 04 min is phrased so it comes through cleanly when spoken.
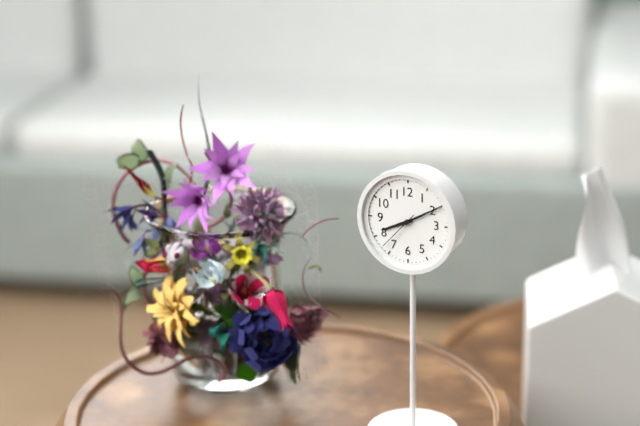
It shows 8 h 10 min
